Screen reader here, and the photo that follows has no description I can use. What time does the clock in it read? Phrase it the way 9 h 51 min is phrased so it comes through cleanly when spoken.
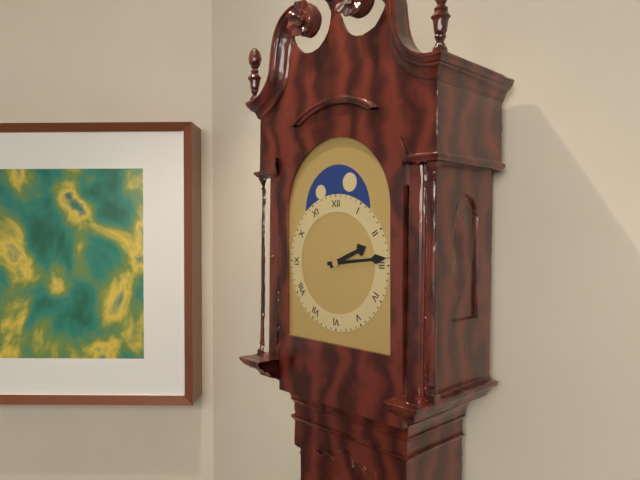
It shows 2 h 14 min
